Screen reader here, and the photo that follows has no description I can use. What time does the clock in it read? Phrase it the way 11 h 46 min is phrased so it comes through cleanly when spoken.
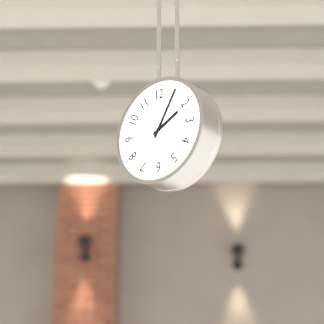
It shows 2 h 05 min
